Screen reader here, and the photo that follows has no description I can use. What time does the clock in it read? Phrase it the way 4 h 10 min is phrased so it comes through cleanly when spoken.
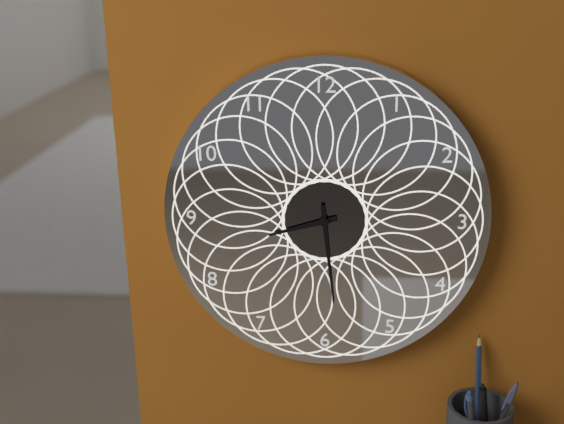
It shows 8 h 29 min
